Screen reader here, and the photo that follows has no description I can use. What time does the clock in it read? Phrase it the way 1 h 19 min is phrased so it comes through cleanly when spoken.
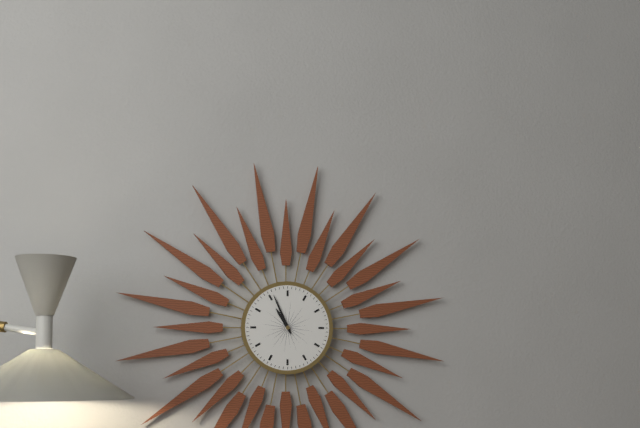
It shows 10 h 56 min
